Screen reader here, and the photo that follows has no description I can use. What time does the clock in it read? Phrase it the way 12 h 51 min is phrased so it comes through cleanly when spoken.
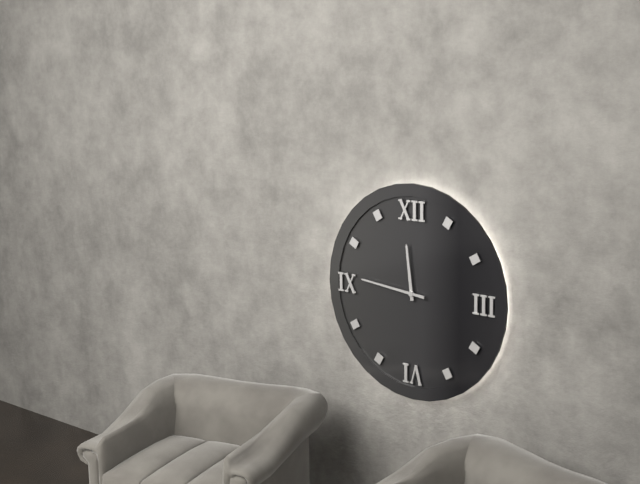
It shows 11 h 46 min
